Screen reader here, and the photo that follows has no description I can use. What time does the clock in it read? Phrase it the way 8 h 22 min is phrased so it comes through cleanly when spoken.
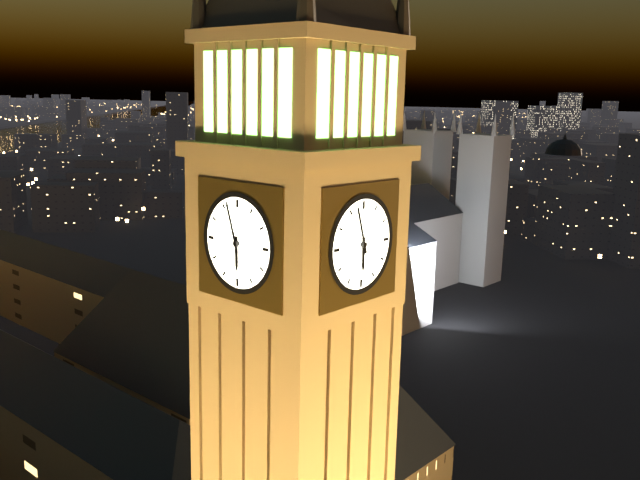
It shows 5 h 57 min
